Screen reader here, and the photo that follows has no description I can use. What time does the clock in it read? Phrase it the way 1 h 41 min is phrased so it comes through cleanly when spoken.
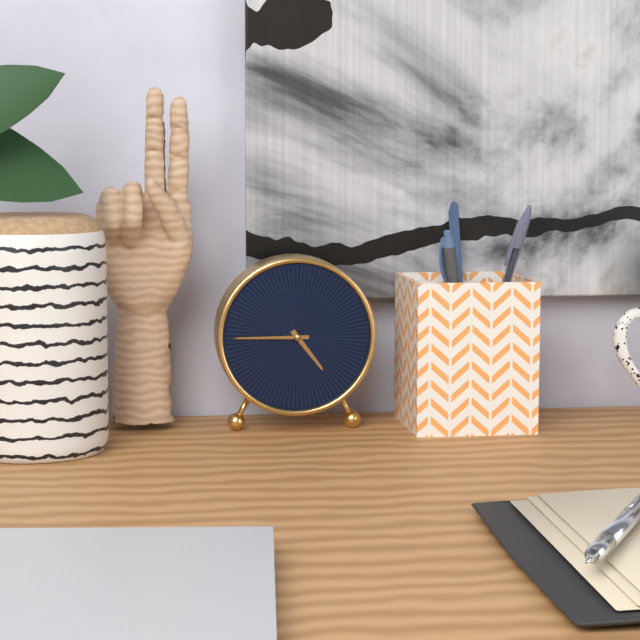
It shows 4 h 45 min
